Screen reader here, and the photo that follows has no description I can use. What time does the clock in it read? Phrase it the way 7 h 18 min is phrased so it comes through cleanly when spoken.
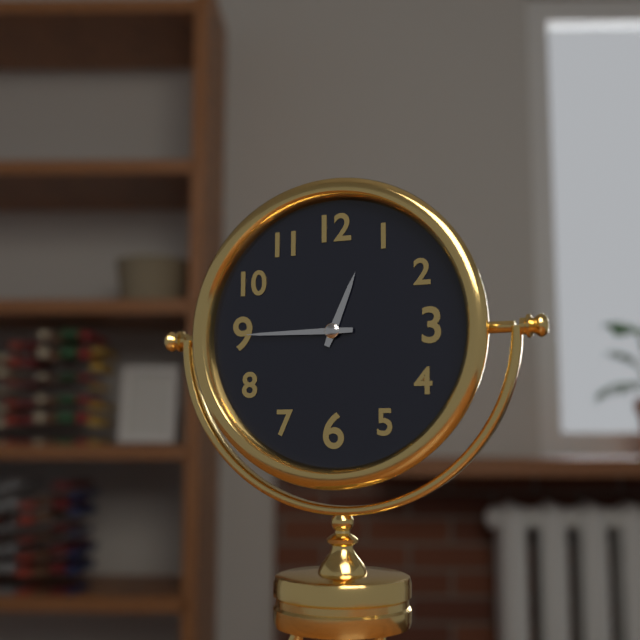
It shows 12 h 45 min
